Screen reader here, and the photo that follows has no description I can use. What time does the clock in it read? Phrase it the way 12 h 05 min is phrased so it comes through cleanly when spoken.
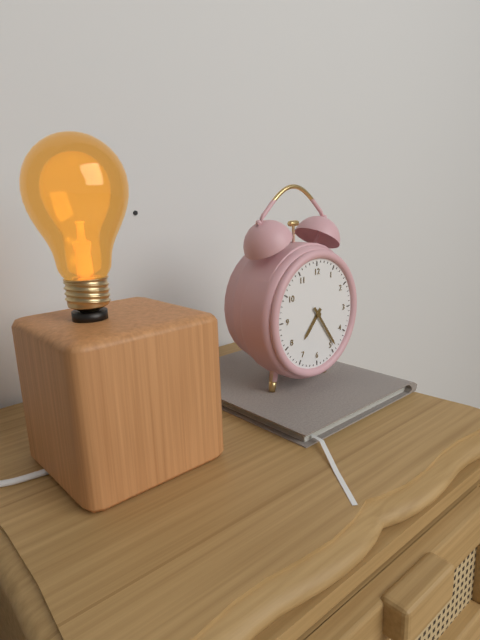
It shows 7 h 24 min
